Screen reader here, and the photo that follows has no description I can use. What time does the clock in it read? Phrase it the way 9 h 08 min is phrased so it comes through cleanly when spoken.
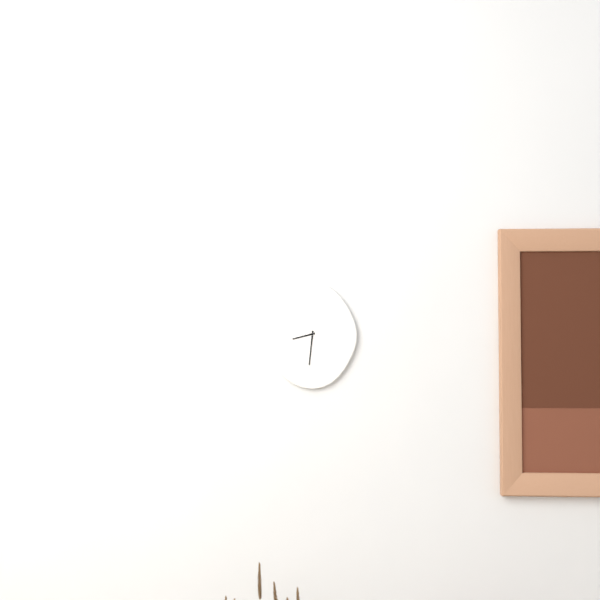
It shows 8 h 31 min
